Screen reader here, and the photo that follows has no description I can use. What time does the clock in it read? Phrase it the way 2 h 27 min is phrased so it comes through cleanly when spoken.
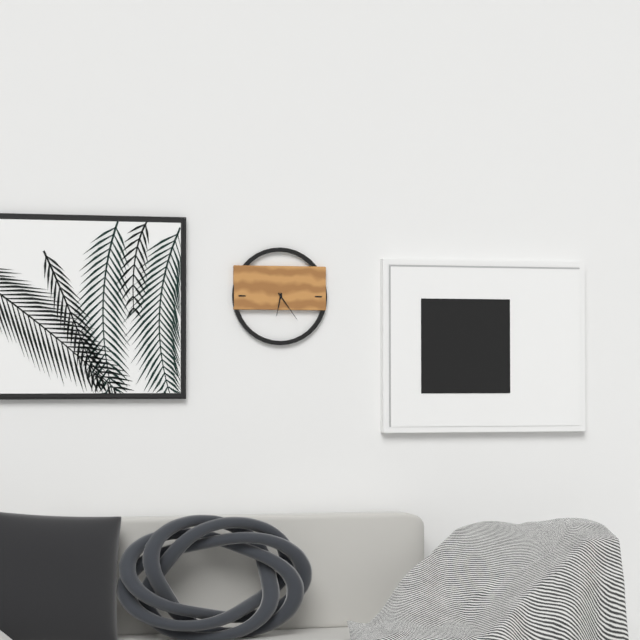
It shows 6 h 24 min
